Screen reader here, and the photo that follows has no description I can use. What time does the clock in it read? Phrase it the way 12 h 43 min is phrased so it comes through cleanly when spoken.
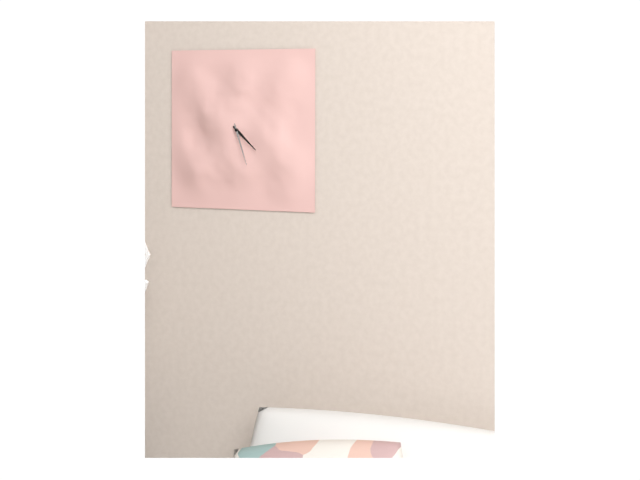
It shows 4 h 27 min
